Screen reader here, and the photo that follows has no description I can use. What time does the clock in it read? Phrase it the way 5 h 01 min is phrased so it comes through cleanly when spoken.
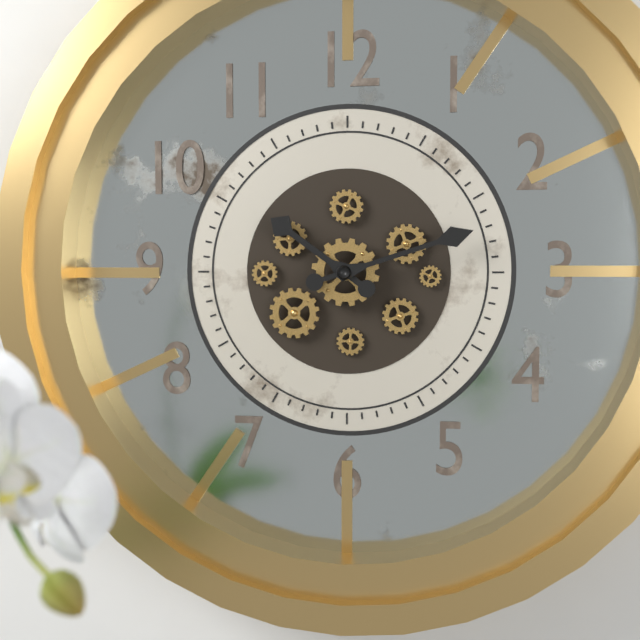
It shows 10 h 12 min
